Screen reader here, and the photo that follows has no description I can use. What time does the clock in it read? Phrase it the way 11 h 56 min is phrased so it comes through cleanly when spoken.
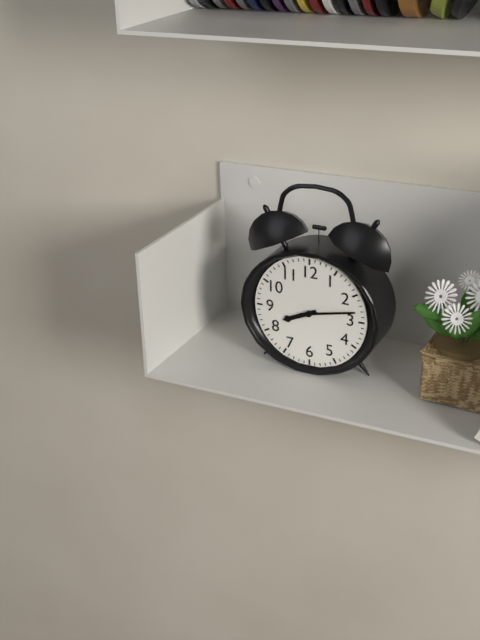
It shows 8 h 13 min
